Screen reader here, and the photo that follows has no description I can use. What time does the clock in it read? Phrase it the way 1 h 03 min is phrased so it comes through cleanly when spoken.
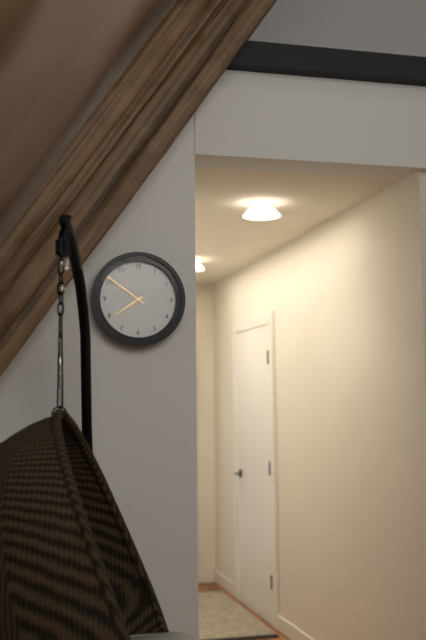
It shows 7 h 51 min
